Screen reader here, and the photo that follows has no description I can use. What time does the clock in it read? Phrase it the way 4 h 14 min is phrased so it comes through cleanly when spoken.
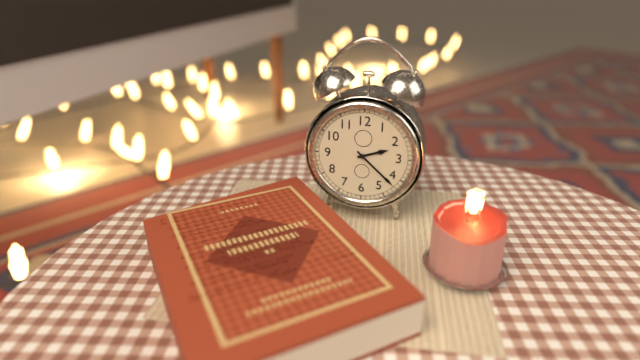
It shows 2 h 22 min
